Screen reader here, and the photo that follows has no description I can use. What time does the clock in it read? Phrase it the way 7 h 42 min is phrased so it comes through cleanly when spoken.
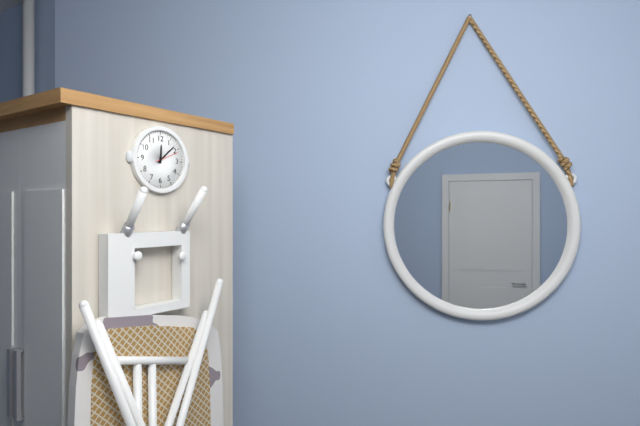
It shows 12 h 08 min
